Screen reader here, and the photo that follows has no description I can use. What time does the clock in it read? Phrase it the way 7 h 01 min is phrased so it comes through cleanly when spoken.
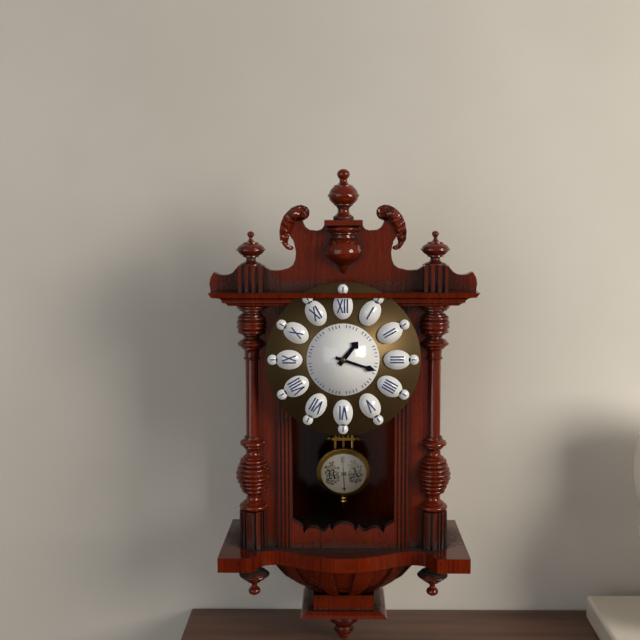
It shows 1 h 18 min
